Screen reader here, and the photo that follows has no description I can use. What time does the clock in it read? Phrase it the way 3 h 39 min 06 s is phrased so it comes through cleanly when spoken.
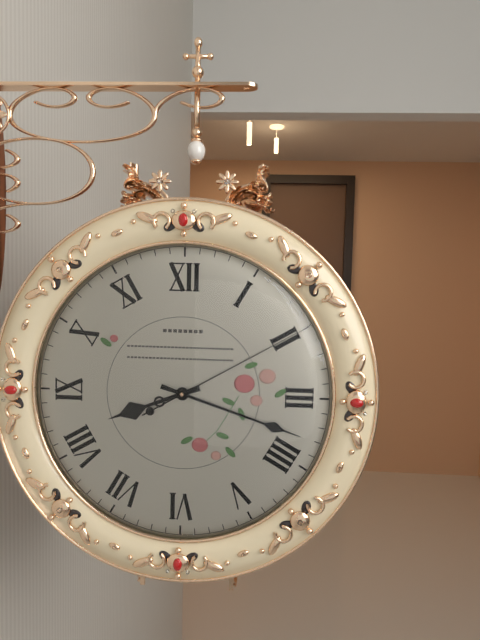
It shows 8 h 18 min 10 s
